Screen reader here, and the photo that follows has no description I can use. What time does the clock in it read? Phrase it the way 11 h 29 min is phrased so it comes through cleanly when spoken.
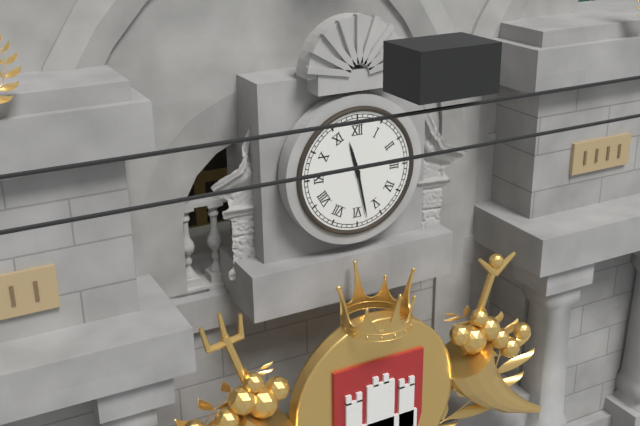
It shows 11 h 28 min
